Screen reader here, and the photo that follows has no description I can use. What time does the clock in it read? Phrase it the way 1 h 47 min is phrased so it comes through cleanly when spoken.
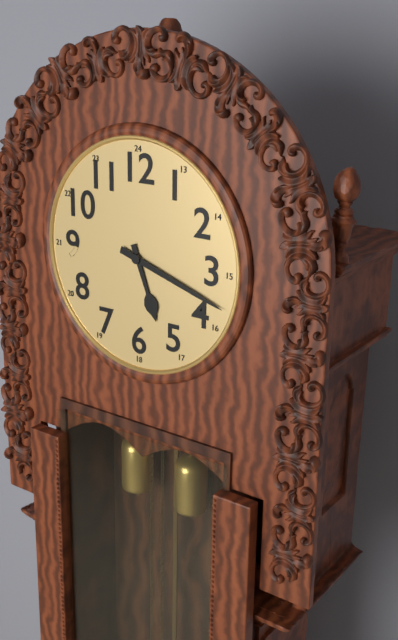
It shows 5 h 18 min
